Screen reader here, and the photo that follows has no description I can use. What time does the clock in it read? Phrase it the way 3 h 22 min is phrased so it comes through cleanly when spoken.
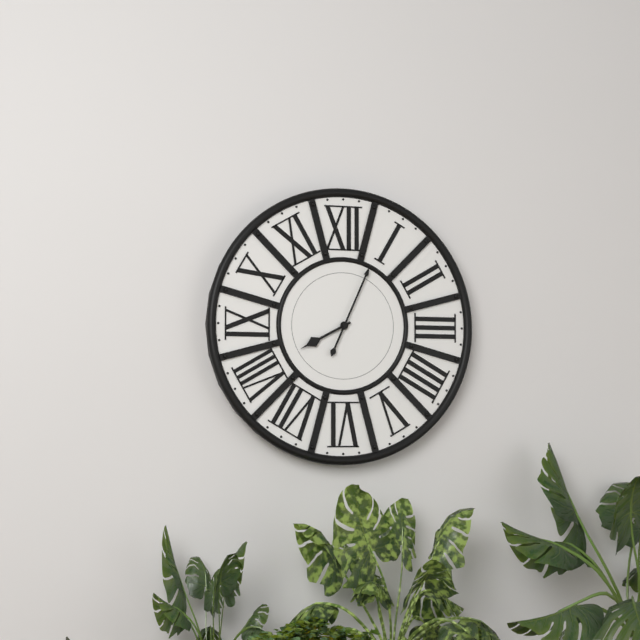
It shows 8 h 04 min
